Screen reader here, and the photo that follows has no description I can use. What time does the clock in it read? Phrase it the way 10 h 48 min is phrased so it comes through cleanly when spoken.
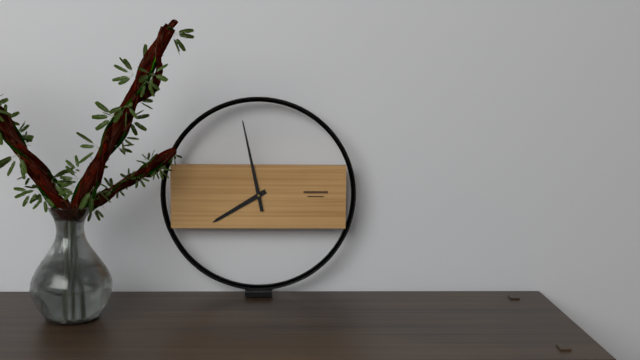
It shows 7 h 58 min
